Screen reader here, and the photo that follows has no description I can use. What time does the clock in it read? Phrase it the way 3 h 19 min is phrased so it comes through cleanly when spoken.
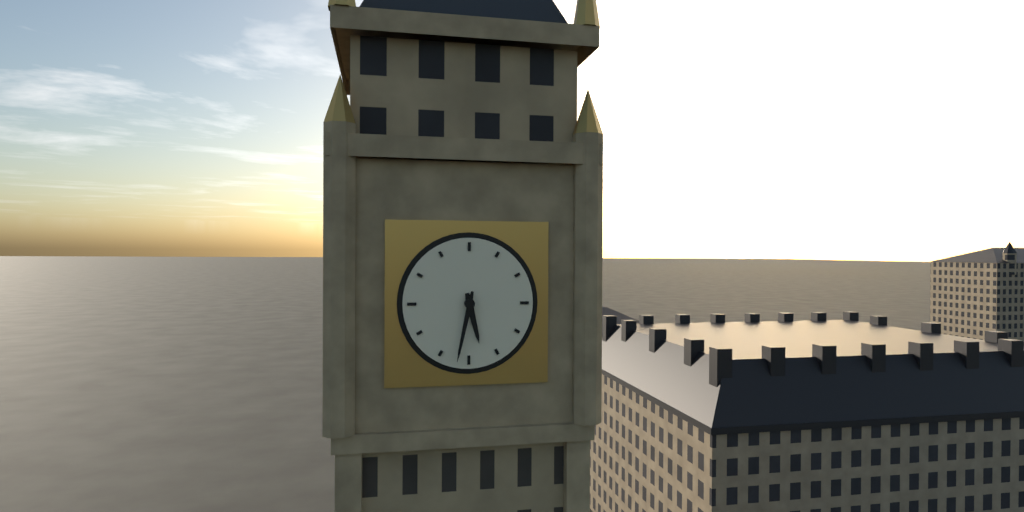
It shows 5 h 32 min
